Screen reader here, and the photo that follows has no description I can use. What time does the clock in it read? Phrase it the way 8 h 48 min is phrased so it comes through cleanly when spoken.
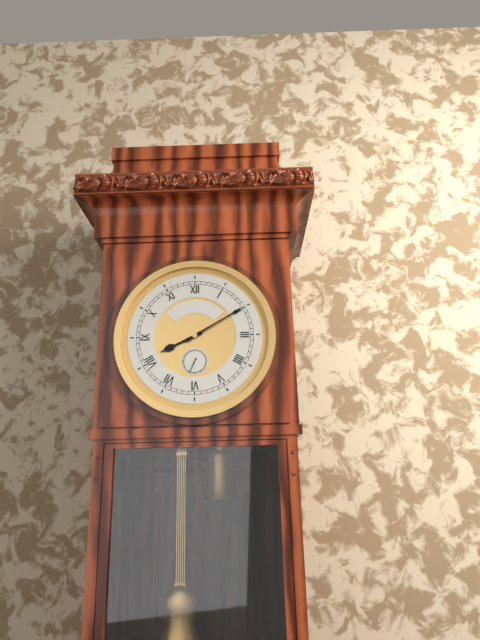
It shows 8 h 10 min
